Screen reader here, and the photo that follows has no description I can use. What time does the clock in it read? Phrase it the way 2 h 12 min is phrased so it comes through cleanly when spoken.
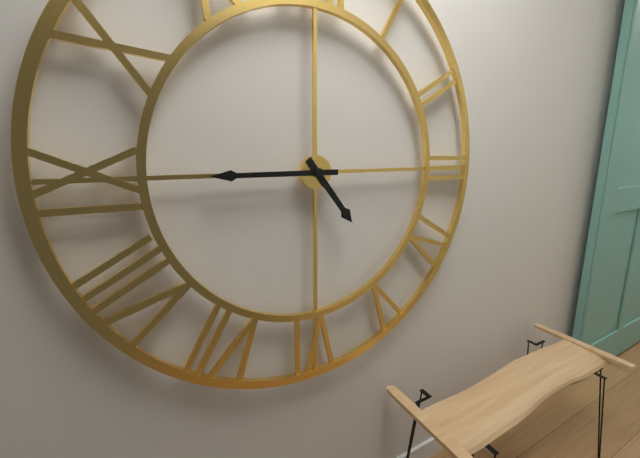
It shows 4 h 45 min
